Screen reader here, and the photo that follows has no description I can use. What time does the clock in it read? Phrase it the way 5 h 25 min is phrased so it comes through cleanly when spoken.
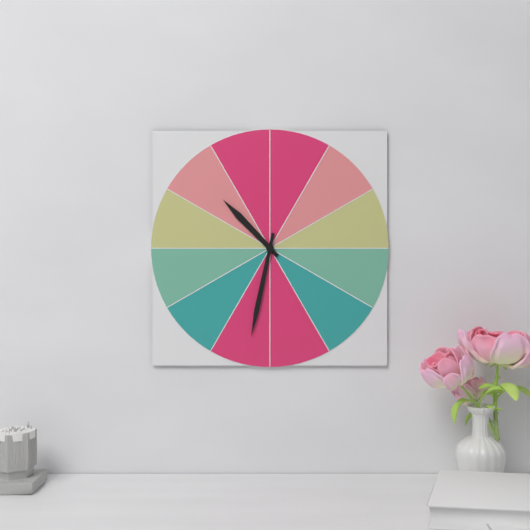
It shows 10 h 32 min
